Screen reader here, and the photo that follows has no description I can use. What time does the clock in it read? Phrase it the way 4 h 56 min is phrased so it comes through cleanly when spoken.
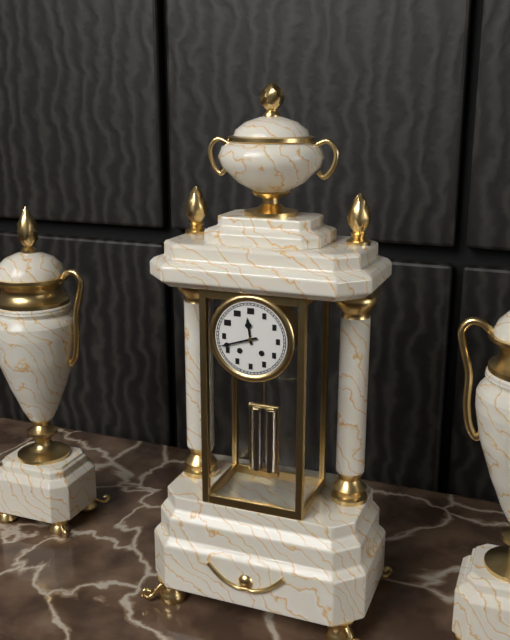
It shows 11 h 42 min
